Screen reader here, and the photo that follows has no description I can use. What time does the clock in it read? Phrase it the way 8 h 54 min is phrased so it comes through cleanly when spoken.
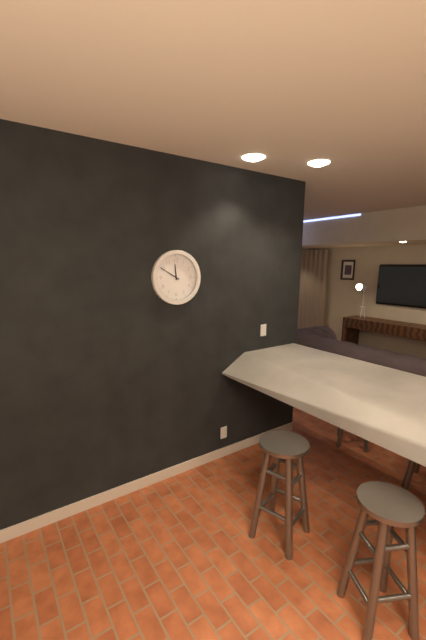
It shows 11 h 50 min
